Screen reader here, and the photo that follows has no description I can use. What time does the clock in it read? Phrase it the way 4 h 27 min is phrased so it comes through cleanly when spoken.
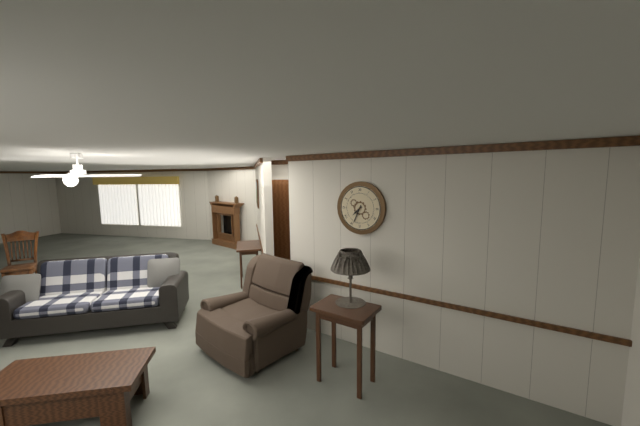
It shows 7 h 34 min
